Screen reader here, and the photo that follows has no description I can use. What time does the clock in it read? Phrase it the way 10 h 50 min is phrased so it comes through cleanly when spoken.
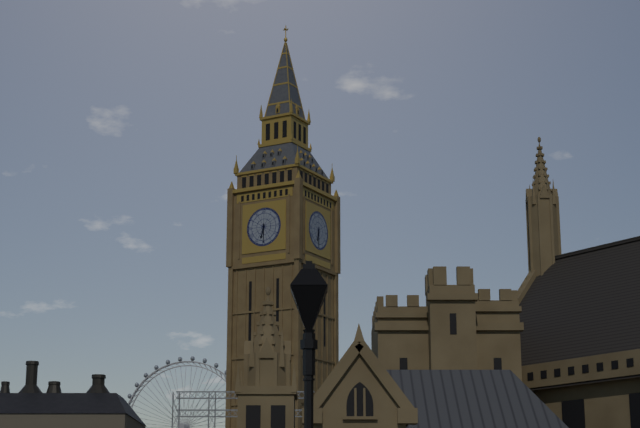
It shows 6 h 30 min
